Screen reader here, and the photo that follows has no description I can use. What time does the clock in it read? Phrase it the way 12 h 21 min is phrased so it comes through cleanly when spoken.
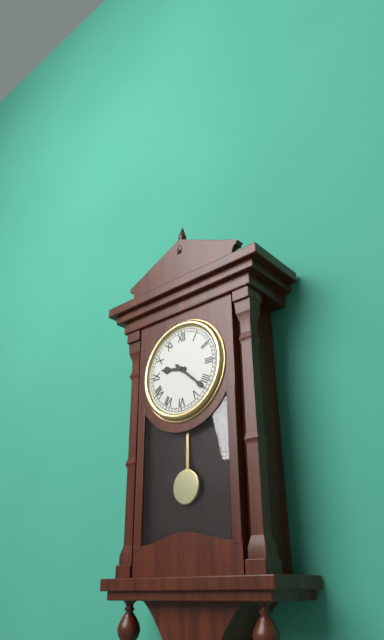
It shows 9 h 22 min
